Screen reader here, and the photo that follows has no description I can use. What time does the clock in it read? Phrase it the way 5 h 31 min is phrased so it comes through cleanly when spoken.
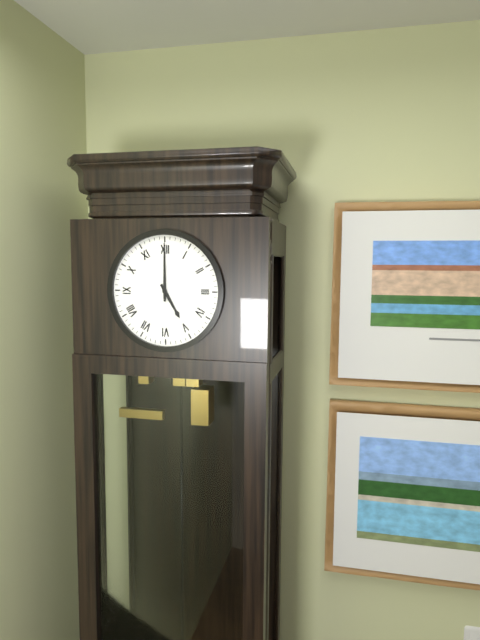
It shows 5 h 00 min
